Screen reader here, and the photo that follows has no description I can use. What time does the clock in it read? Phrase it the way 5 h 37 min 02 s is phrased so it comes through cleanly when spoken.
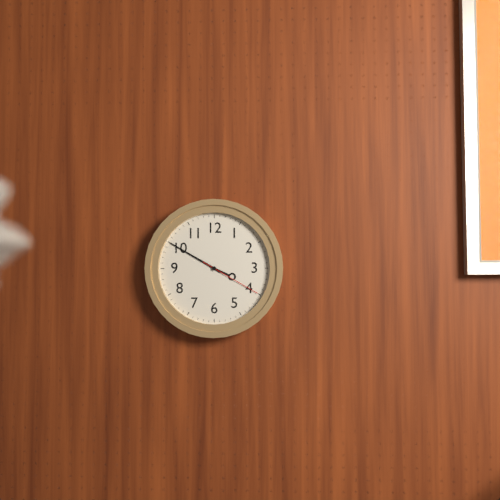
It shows 3 h 50 min 20 s
